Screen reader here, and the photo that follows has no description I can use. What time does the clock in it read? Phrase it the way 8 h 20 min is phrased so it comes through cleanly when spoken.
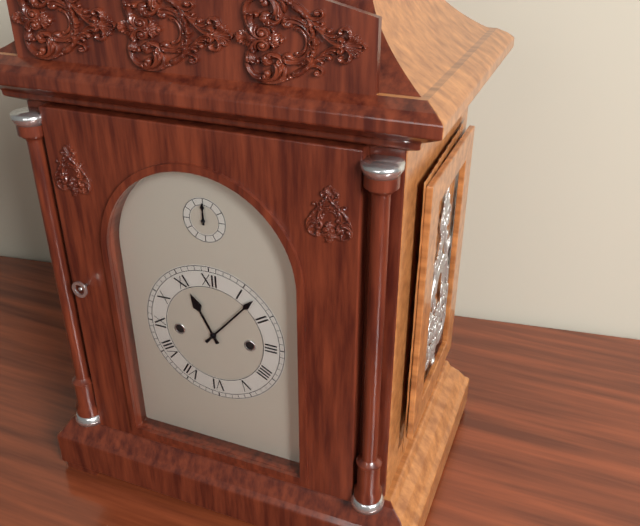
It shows 11 h 07 min
